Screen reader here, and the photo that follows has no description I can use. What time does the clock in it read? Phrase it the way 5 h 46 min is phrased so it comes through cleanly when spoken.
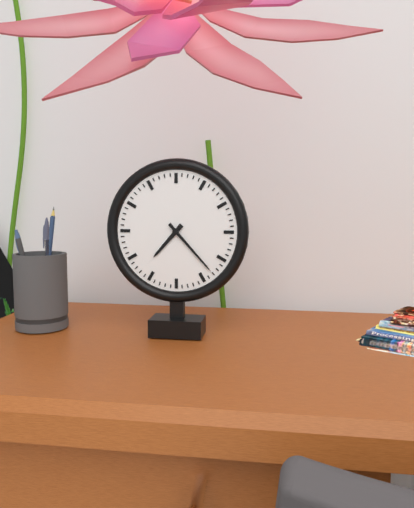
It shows 7 h 23 min
